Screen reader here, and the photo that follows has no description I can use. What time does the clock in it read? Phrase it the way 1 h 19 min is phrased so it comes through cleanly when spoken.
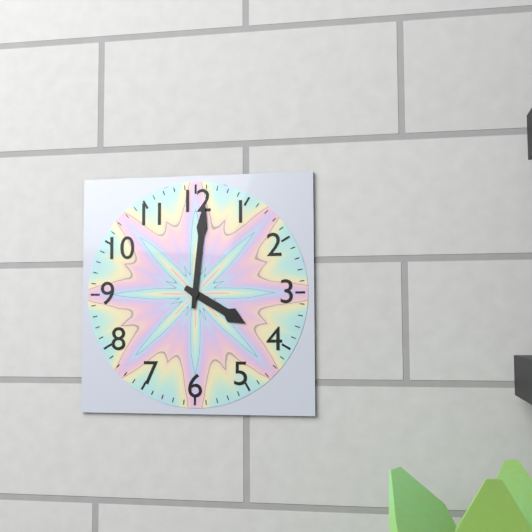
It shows 4 h 01 min
